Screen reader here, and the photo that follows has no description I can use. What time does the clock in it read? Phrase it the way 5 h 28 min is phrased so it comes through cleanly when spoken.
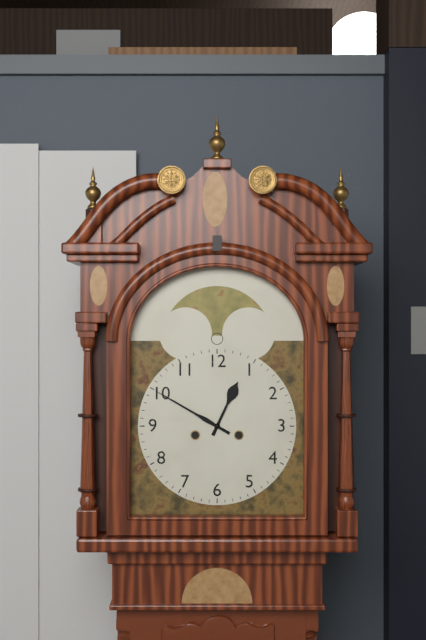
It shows 12 h 50 min
